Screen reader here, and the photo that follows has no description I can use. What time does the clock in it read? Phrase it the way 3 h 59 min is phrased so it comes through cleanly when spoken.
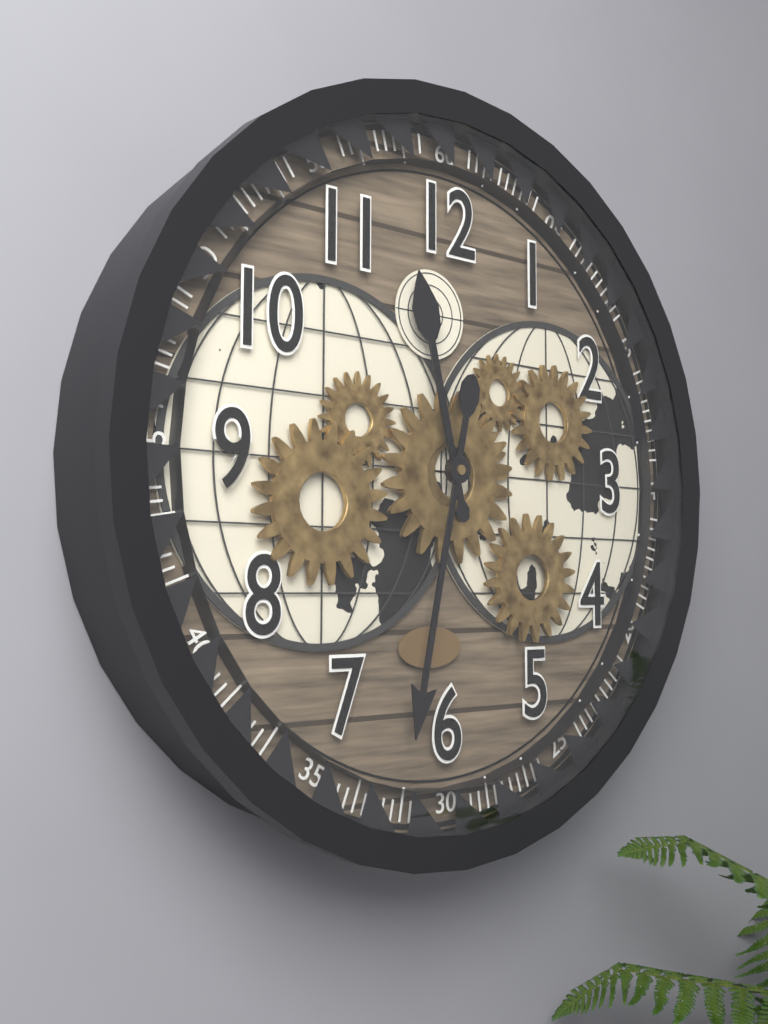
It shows 11 h 32 min
